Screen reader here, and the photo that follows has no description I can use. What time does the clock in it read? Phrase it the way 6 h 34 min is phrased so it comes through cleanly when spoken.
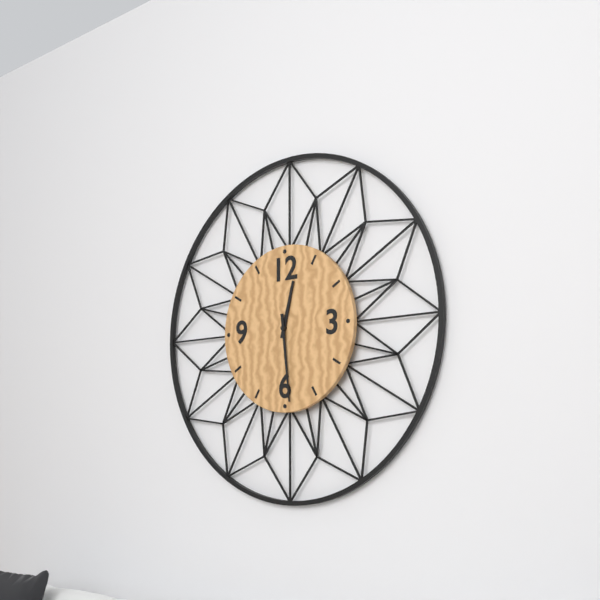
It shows 12 h 29 min
